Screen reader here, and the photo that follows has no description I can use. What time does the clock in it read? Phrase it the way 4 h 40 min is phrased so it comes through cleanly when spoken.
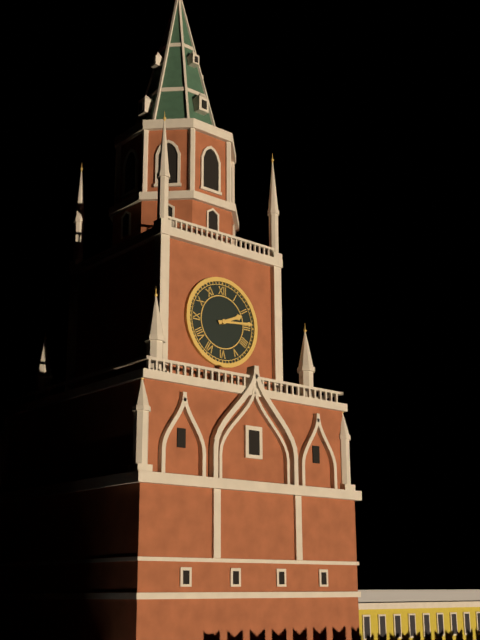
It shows 2 h 14 min
